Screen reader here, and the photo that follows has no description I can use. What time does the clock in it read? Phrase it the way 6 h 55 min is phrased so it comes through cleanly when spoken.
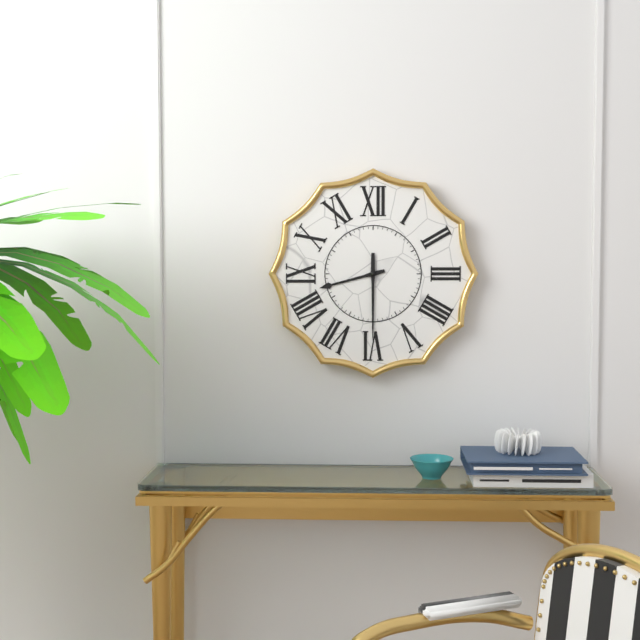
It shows 8 h 30 min
